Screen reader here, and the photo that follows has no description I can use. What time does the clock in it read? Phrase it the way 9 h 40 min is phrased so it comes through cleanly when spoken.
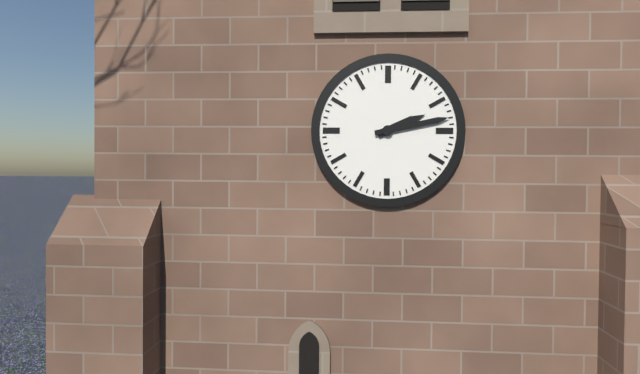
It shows 2 h 13 min
